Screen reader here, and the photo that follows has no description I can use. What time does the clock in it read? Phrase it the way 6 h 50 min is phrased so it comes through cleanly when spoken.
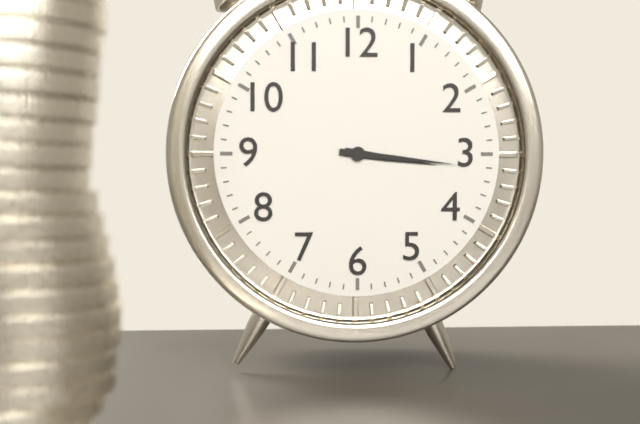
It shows 3 h 16 min
